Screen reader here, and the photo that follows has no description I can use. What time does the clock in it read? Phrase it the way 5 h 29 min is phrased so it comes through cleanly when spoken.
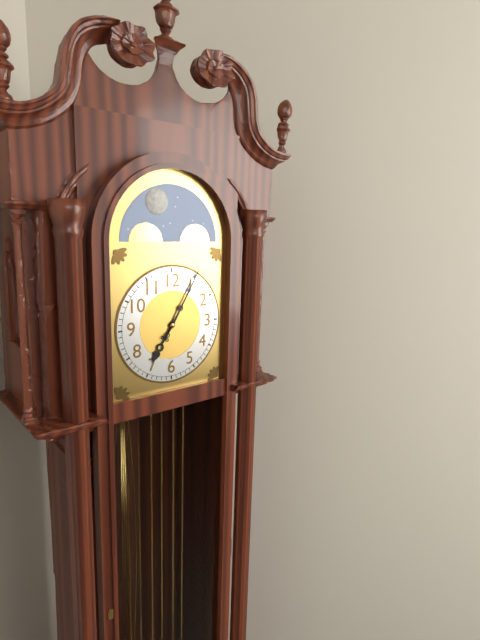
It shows 7 h 05 min
